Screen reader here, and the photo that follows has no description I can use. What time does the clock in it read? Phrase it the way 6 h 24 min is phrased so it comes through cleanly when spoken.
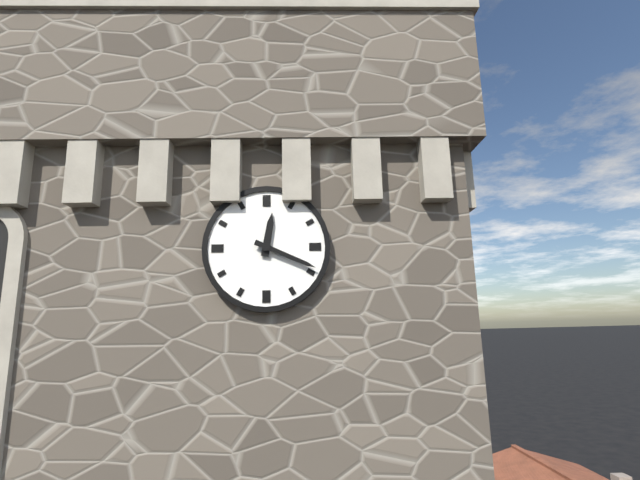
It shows 12 h 19 min
